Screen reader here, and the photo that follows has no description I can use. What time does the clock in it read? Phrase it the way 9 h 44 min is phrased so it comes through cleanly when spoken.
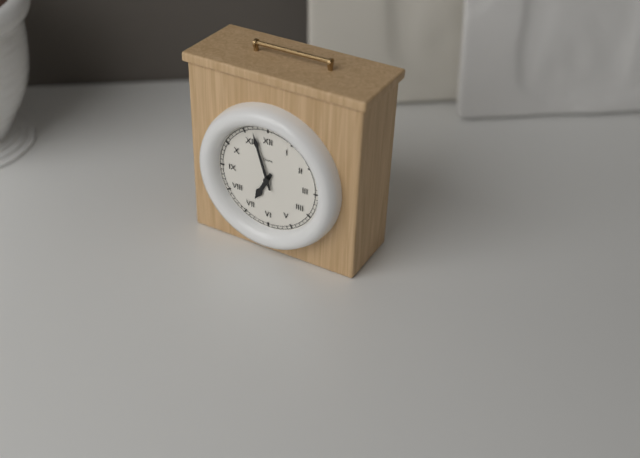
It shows 6 h 57 min
